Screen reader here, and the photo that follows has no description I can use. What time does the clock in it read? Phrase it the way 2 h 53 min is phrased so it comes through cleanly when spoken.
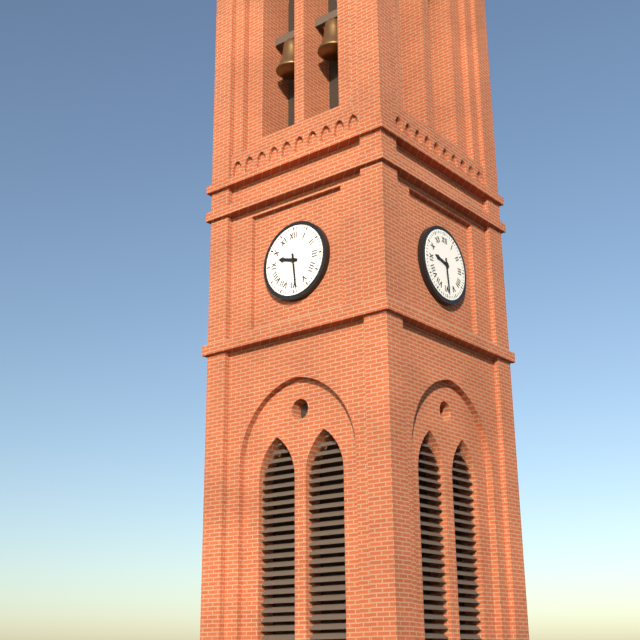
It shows 9 h 29 min
